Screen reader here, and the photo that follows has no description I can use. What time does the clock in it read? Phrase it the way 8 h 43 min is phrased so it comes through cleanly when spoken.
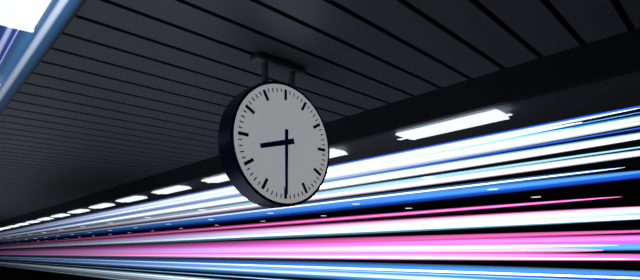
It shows 8 h 30 min
